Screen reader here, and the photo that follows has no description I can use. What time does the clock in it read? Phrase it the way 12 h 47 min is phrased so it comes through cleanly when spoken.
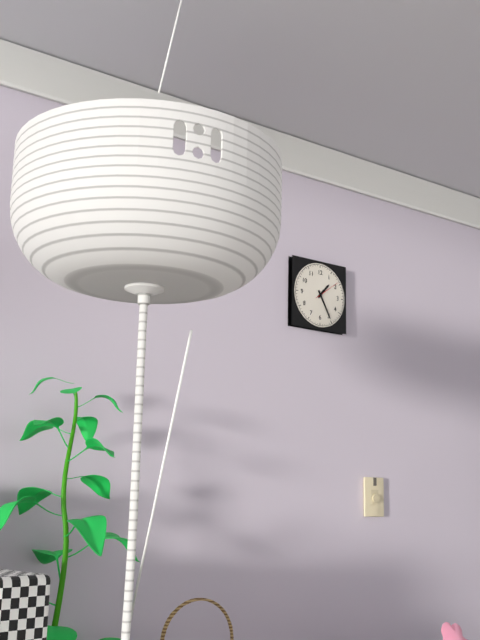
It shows 1 h 25 min
